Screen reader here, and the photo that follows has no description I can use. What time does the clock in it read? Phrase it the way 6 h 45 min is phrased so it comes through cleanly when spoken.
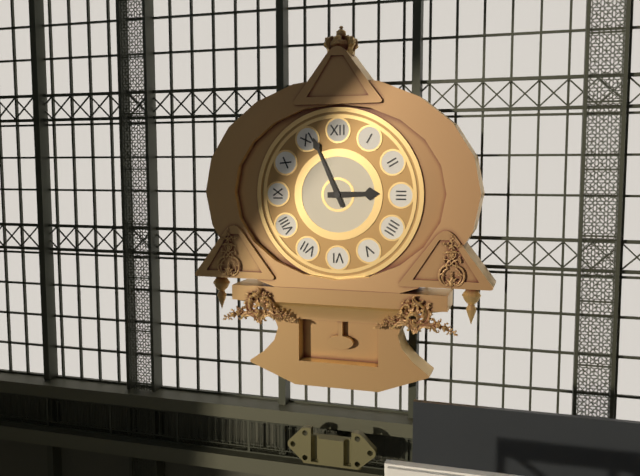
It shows 2 h 56 min
